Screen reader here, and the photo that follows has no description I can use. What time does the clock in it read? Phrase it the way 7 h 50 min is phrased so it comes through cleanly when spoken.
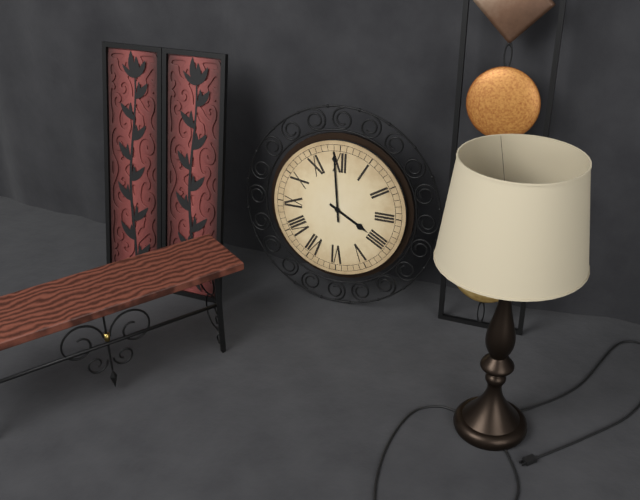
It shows 3 h 59 min
